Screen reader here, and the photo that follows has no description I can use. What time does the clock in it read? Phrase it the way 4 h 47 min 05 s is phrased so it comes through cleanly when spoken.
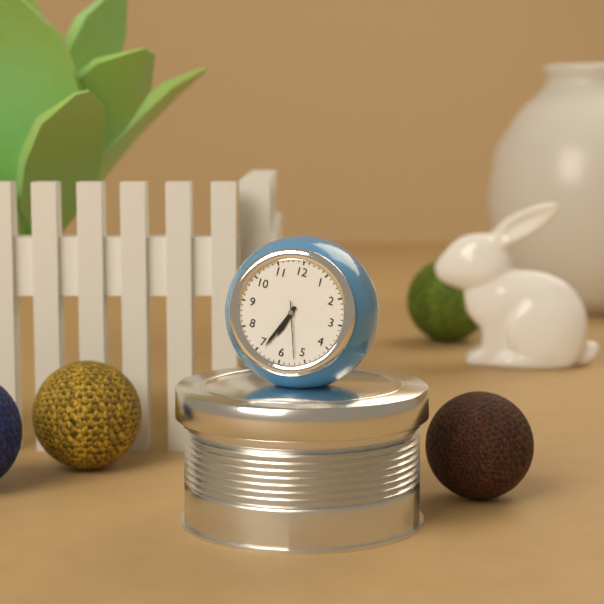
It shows 6 h 34 min 27 s
